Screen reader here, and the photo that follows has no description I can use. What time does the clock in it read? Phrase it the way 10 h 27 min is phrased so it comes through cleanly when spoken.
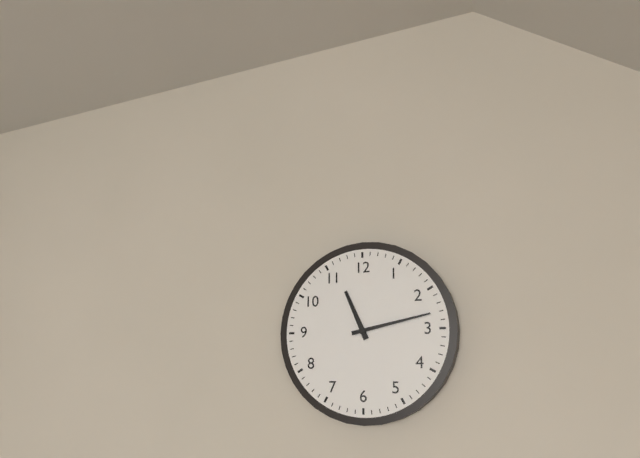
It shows 11 h 13 min
